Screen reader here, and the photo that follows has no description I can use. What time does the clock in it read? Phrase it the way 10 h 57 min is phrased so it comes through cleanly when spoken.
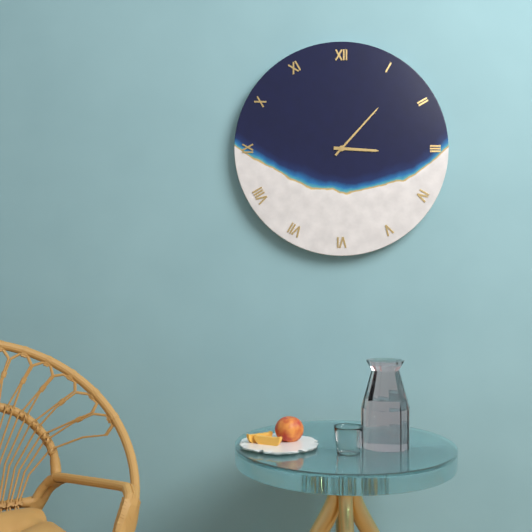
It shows 3 h 07 min
